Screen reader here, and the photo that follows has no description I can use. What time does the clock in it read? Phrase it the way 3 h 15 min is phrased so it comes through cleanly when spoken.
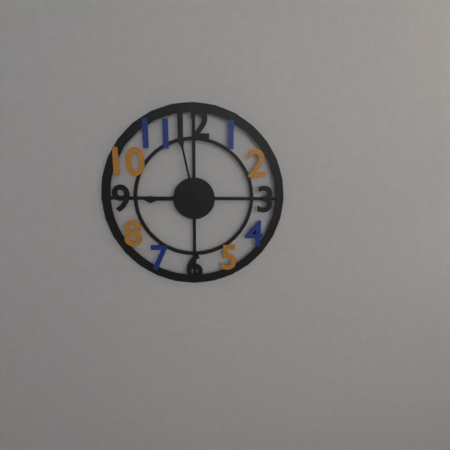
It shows 8 h 58 min
